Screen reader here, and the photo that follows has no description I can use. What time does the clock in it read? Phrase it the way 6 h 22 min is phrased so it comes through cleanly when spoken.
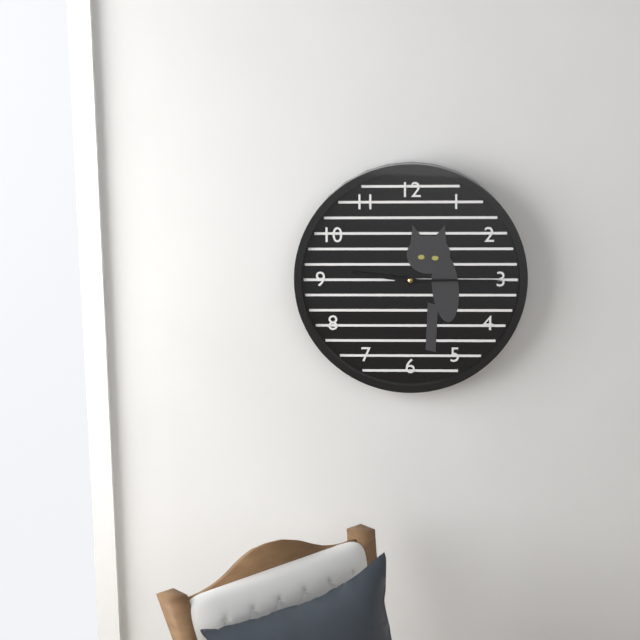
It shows 9 h 15 min
